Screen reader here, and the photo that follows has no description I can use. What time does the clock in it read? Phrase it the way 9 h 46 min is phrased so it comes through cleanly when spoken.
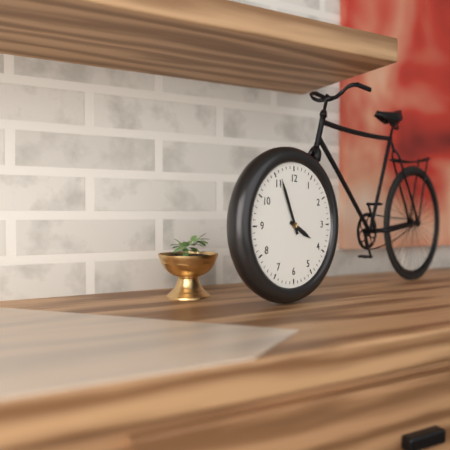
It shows 3 h 56 min
